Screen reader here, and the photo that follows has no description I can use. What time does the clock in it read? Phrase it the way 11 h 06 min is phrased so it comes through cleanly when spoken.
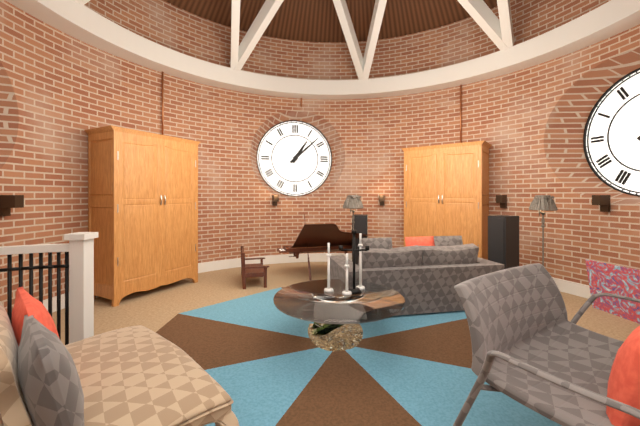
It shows 1 h 08 min
